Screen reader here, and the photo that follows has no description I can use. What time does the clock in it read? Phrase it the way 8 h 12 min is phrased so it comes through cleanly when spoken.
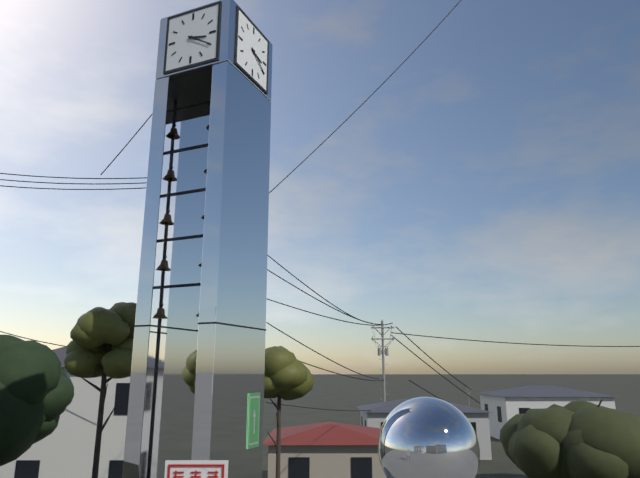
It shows 3 h 20 min
